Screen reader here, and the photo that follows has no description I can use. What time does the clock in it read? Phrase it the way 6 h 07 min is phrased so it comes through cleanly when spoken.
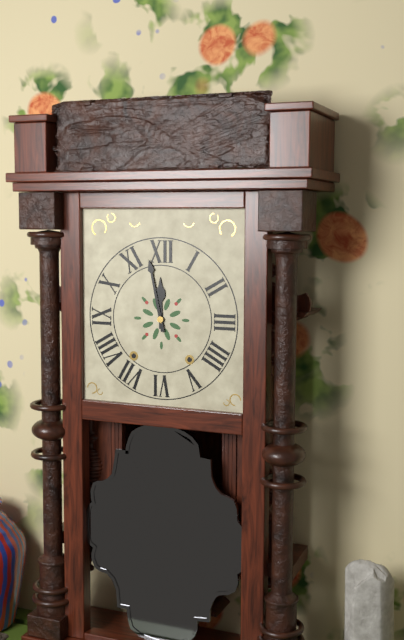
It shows 11 h 58 min
